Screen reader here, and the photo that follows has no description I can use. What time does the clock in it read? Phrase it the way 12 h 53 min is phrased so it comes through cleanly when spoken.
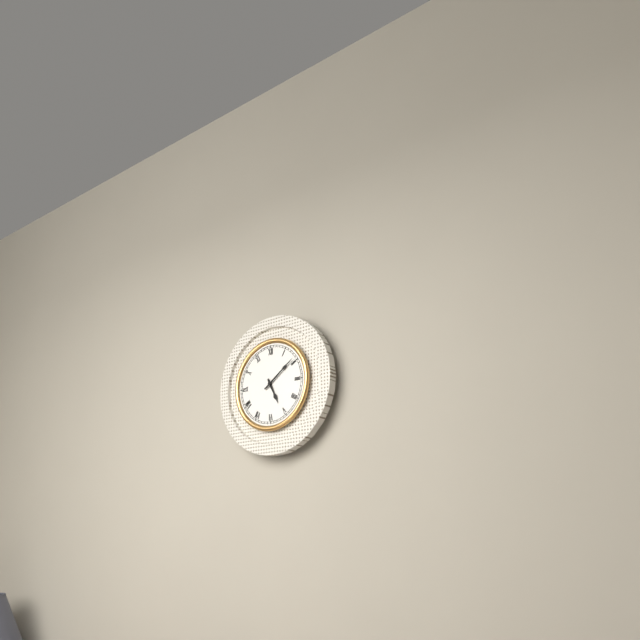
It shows 5 h 09 min
